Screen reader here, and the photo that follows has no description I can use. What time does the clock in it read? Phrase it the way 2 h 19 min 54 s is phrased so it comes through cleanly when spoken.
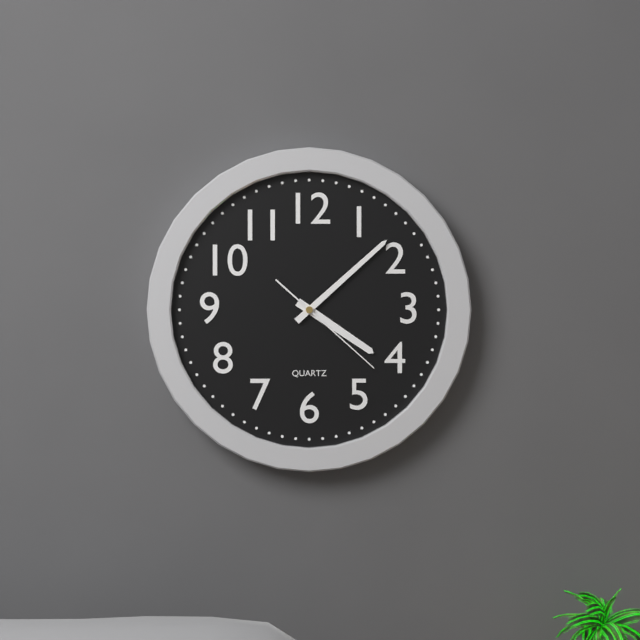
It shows 4 h 08 min 22 s
